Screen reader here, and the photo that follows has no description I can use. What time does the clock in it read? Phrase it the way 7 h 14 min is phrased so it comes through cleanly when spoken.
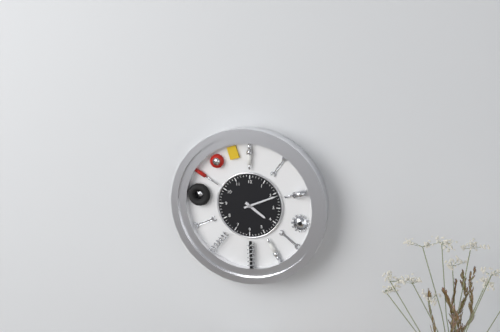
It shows 4 h 11 min
